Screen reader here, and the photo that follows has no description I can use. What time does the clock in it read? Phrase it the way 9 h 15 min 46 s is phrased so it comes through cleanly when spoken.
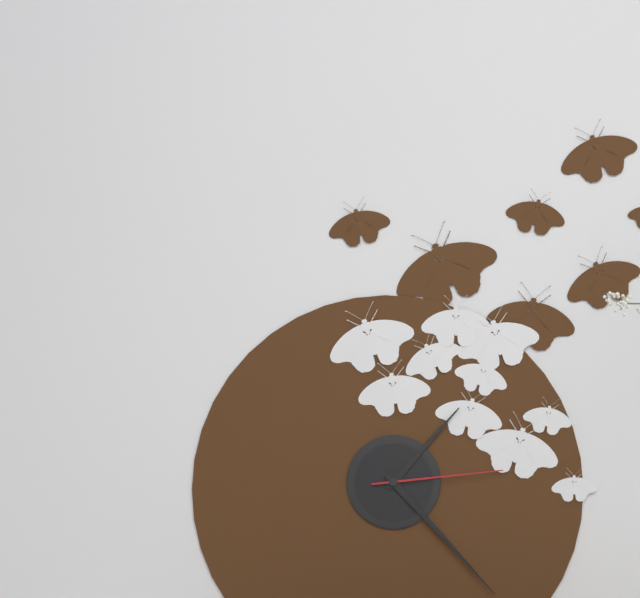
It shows 1 h 23 min 14 s
